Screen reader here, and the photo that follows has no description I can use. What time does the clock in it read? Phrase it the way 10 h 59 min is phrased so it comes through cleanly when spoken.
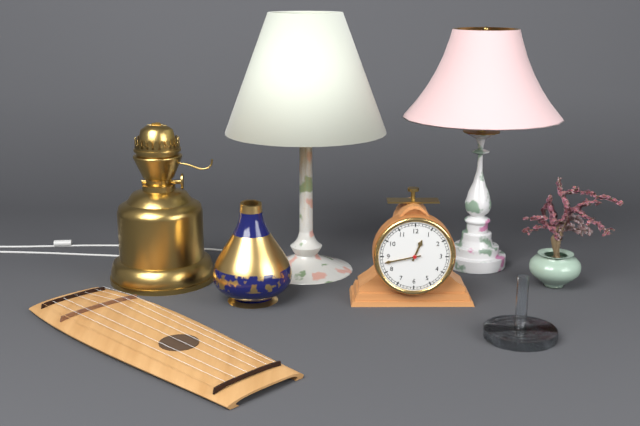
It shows 12 h 43 min
